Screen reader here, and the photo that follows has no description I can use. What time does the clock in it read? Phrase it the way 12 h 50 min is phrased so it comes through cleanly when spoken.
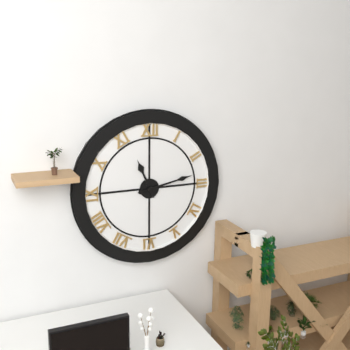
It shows 11 h 13 min
